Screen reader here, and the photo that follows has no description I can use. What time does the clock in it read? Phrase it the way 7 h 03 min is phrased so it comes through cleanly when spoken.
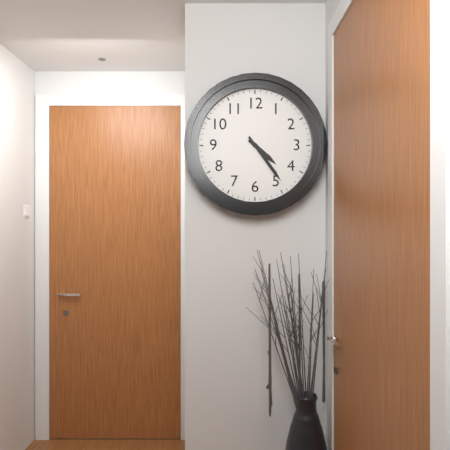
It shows 4 h 24 min
